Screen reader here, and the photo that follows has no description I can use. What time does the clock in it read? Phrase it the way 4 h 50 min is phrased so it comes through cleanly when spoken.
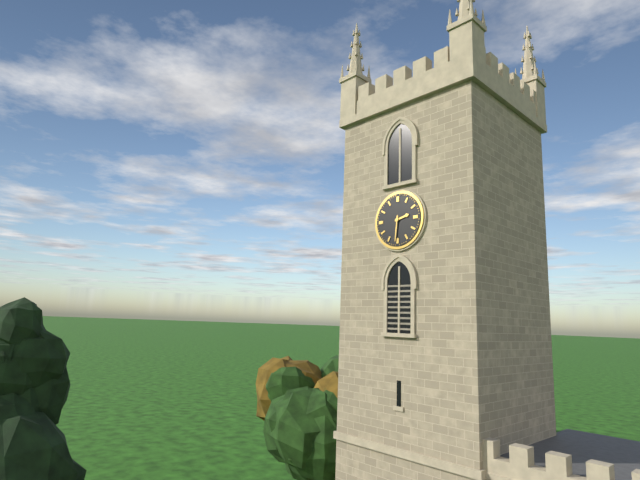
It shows 2 h 31 min
